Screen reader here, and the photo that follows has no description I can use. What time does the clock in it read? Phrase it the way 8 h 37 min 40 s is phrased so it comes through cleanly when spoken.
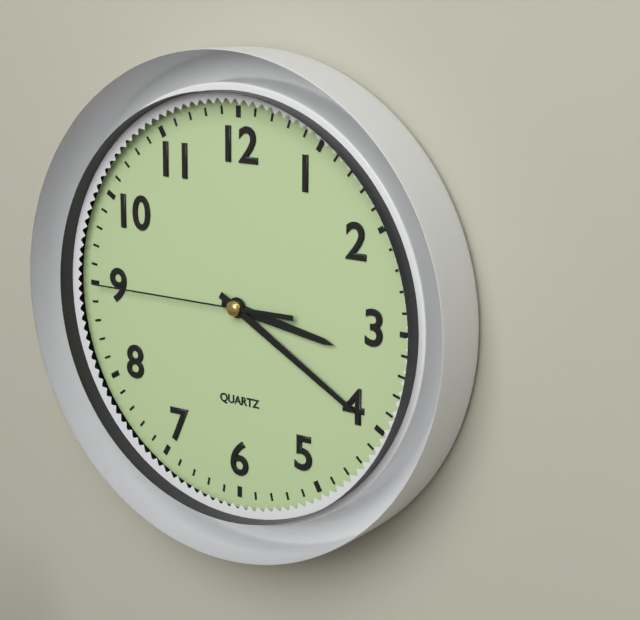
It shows 3 h 20 min 45 s
